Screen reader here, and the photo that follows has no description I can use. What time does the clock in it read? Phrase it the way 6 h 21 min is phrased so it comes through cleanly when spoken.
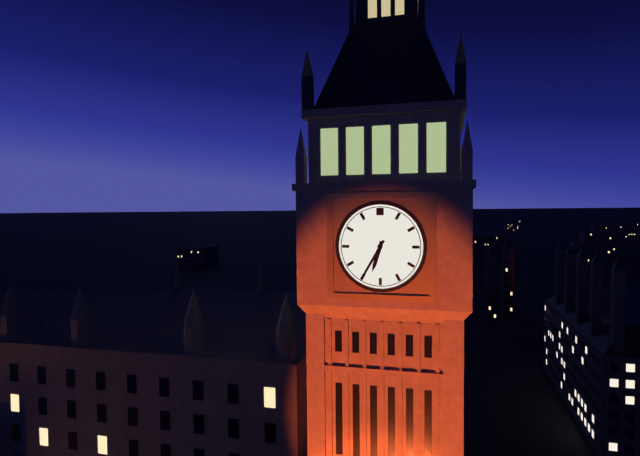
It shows 6 h 35 min
